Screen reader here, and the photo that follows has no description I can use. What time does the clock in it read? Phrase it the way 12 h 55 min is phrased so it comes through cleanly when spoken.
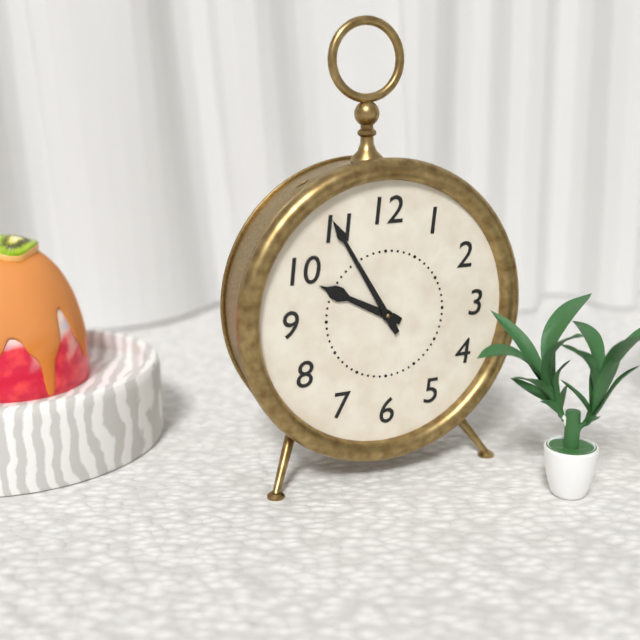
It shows 9 h 55 min
